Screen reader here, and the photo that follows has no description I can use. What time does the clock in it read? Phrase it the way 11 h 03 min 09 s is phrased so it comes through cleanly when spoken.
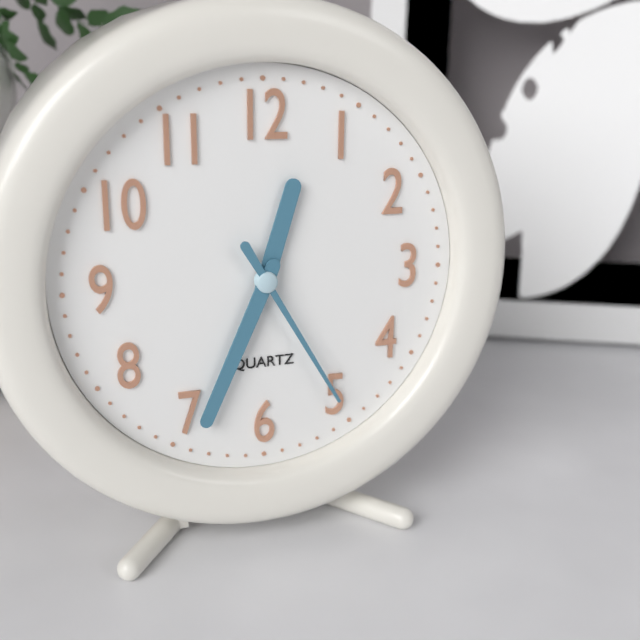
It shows 12 h 34 min 25 s
